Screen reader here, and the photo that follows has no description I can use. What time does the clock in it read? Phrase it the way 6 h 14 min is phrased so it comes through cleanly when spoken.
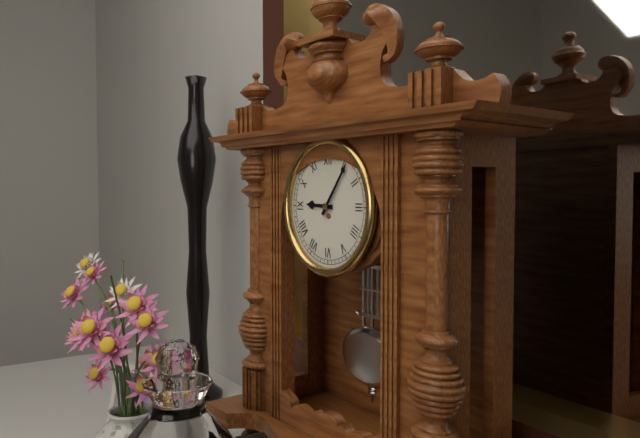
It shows 9 h 06 min
